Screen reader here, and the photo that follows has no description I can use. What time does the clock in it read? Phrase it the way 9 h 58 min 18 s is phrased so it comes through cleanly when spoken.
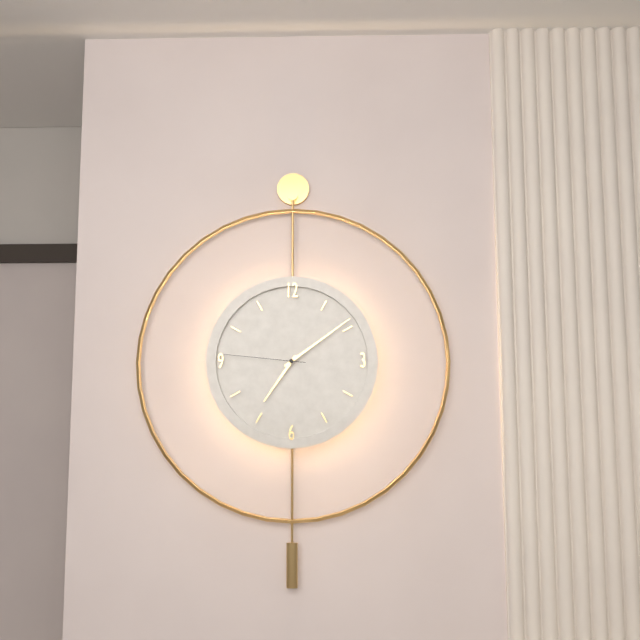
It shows 7 h 09 min 46 s
